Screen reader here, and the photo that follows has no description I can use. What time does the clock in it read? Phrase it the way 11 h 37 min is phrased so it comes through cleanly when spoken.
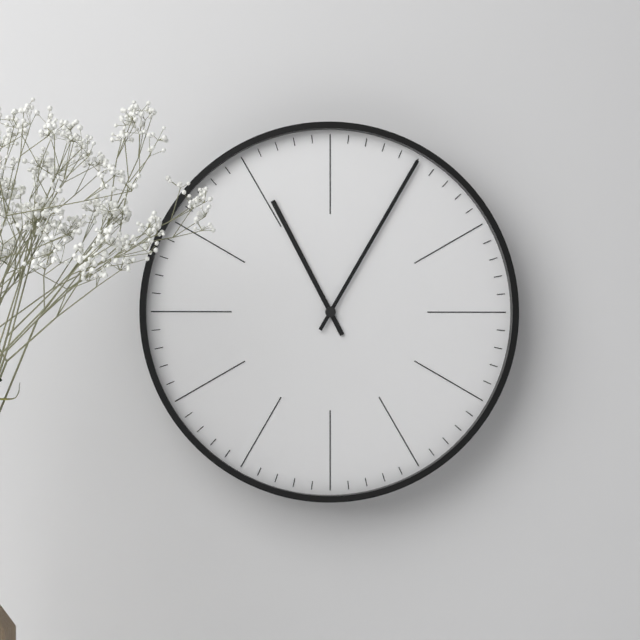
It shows 11 h 05 min
